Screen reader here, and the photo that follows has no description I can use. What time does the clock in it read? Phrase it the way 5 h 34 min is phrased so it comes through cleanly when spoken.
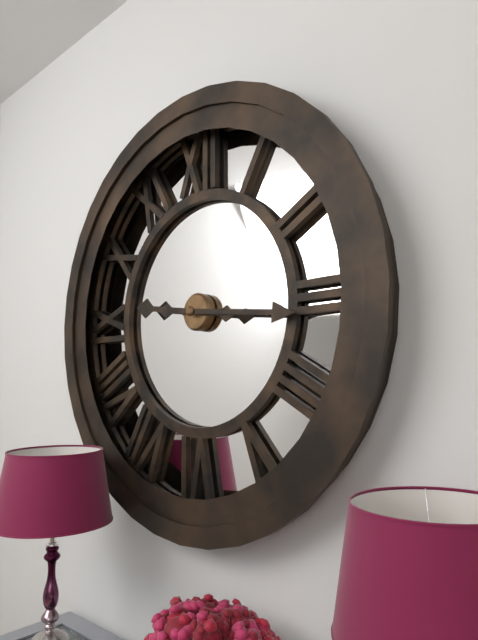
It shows 9 h 16 min
